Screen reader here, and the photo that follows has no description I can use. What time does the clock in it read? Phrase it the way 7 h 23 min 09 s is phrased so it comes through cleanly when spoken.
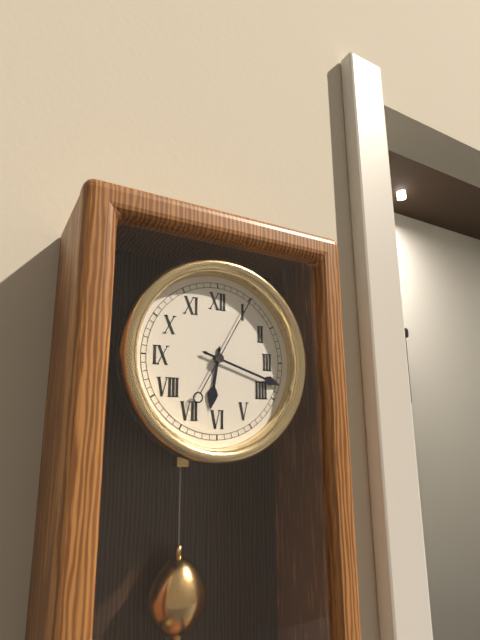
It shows 6 h 18 min 05 s
